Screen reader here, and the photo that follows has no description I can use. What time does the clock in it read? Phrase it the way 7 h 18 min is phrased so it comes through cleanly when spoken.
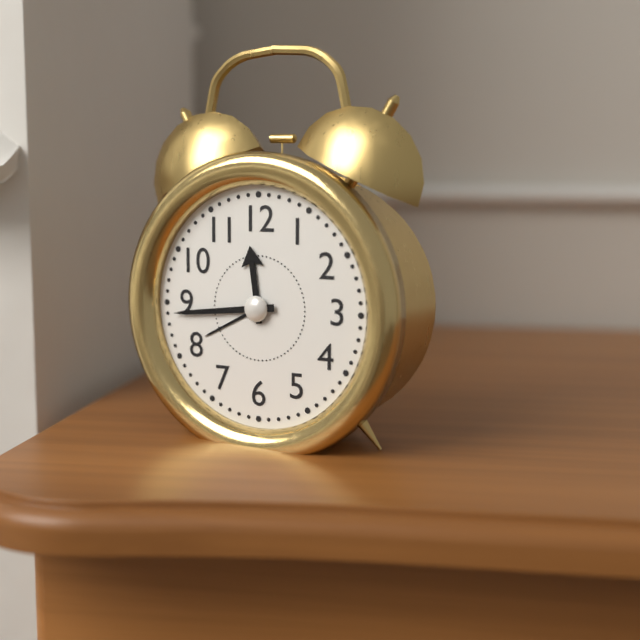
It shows 11 h 44 min
